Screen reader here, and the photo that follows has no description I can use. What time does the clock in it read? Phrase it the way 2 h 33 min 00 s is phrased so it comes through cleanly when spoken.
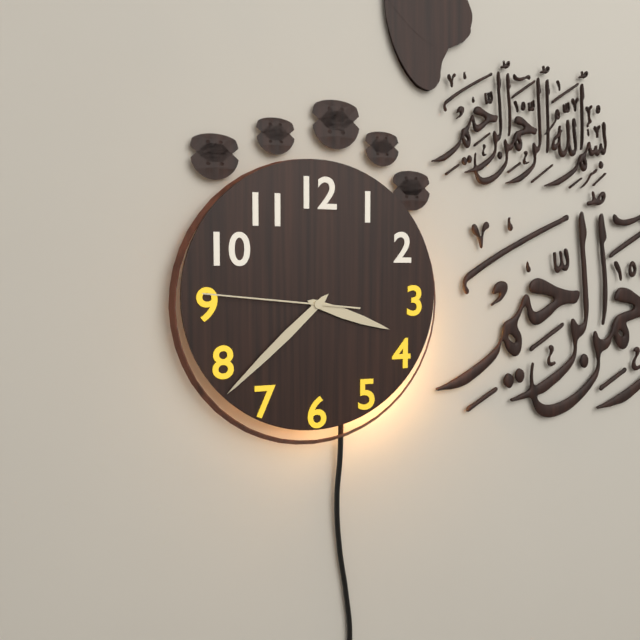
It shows 3 h 38 min 46 s
